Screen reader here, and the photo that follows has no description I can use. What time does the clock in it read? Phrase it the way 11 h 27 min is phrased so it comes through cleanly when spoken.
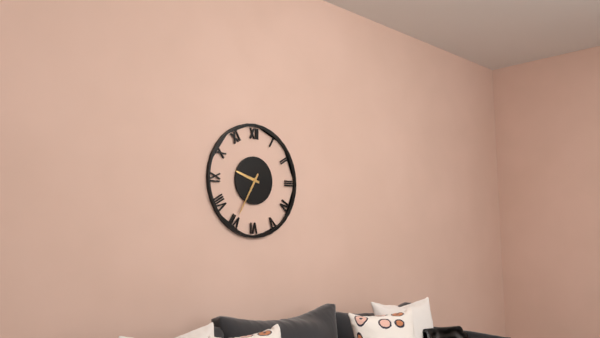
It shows 9 h 35 min
